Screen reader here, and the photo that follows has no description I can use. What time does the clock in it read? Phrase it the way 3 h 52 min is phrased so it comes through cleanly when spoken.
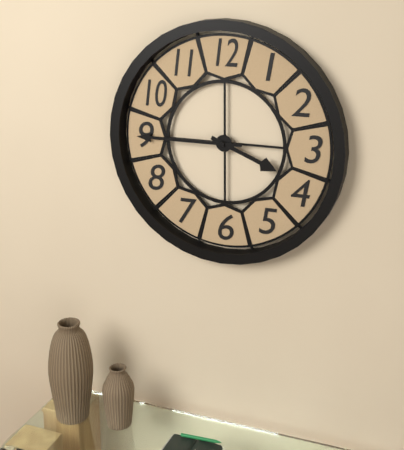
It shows 3 h 45 min
